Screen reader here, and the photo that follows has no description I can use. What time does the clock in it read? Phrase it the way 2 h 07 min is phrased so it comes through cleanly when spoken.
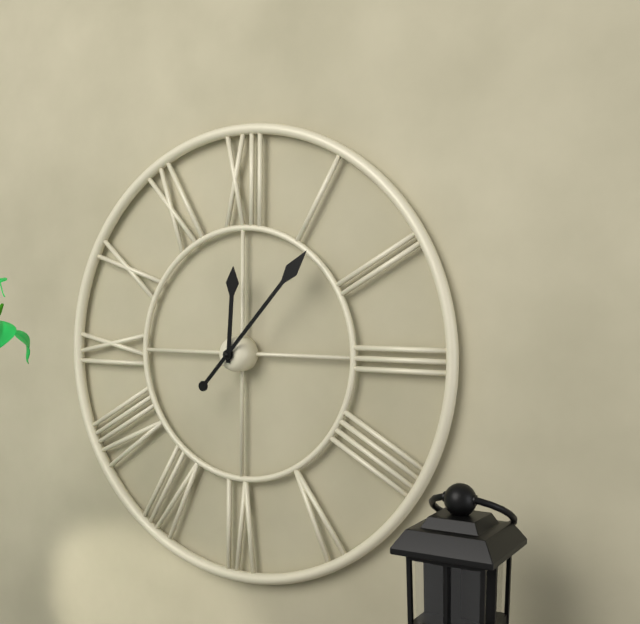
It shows 12 h 07 min
